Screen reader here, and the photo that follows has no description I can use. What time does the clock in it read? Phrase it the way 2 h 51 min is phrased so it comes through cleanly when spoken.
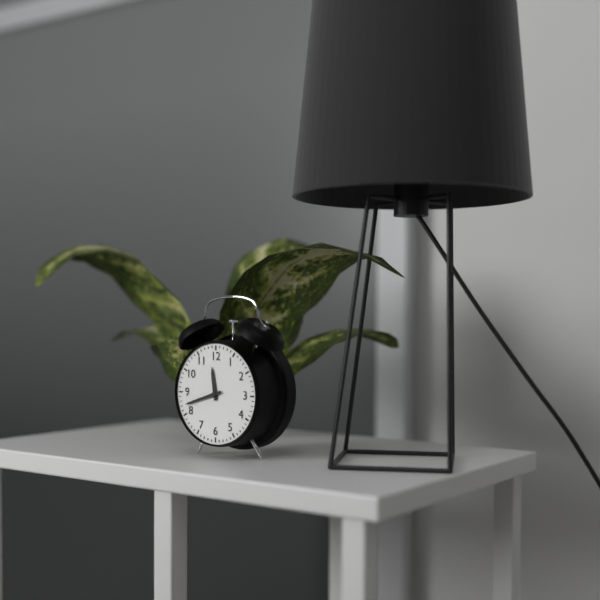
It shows 11 h 42 min
